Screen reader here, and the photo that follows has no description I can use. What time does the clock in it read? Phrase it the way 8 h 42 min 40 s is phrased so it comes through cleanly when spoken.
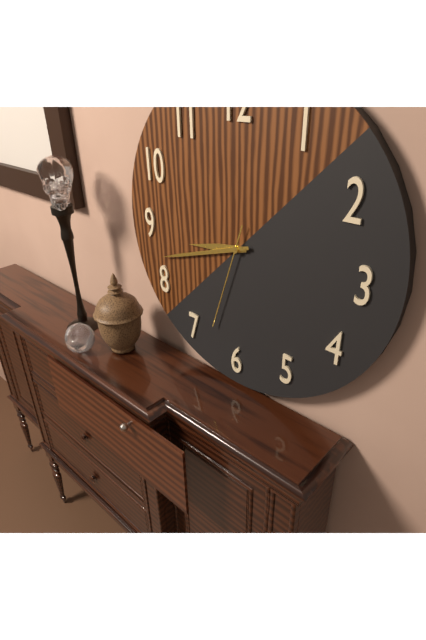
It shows 8 h 42 min 33 s
